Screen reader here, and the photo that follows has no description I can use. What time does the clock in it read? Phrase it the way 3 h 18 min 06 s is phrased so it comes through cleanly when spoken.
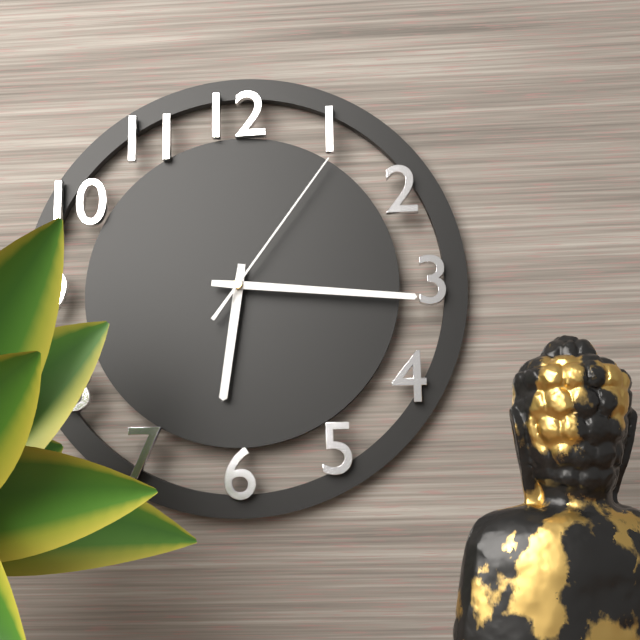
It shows 6 h 16 min 06 s
